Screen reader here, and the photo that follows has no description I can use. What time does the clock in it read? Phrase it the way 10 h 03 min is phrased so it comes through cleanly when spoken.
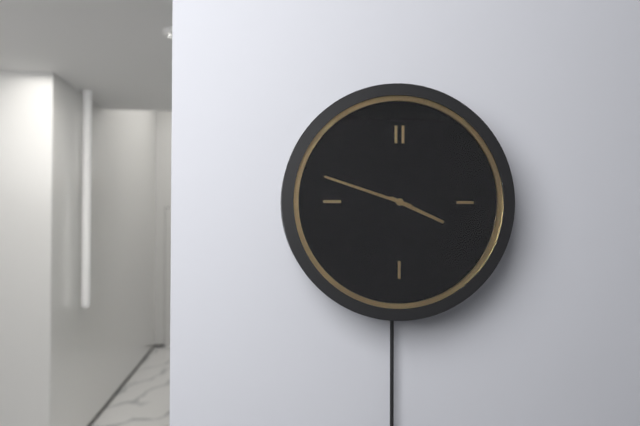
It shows 3 h 48 min
